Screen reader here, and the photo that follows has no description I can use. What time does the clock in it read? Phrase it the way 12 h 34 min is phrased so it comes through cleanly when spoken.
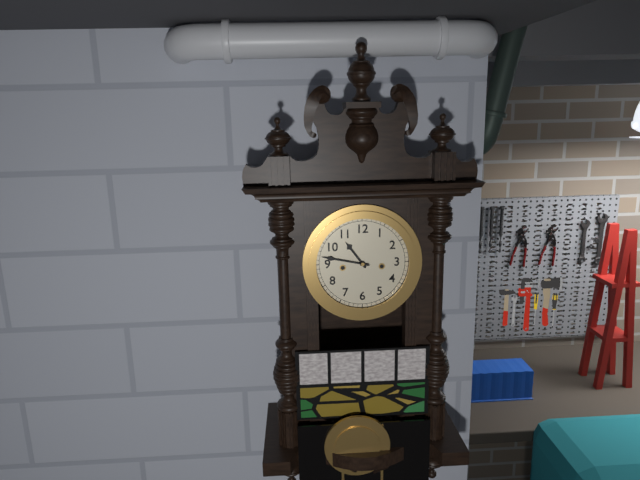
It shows 10 h 47 min
